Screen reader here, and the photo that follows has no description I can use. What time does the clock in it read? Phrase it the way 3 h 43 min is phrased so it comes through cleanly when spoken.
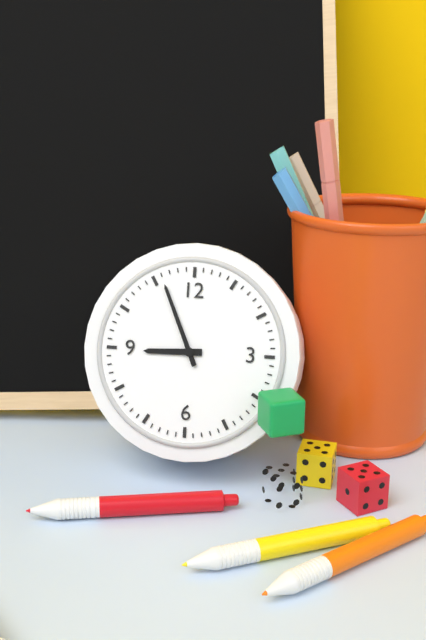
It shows 8 h 56 min
